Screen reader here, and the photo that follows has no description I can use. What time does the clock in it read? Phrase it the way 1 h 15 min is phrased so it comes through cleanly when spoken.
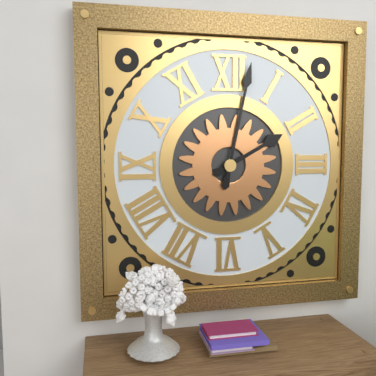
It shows 2 h 02 min
